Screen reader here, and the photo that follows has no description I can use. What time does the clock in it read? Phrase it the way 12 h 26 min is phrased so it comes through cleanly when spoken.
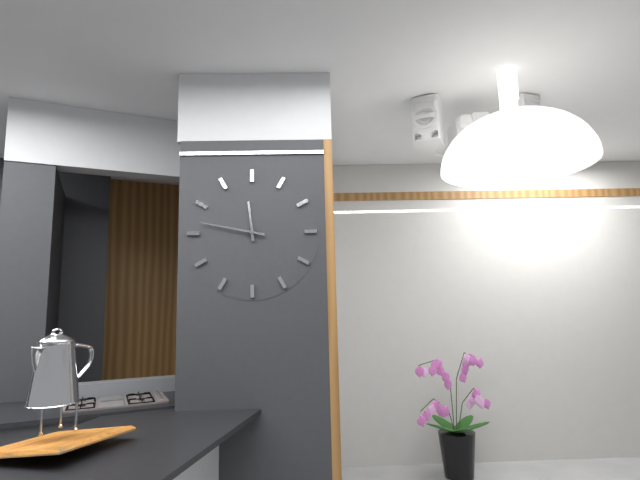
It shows 11 h 47 min
